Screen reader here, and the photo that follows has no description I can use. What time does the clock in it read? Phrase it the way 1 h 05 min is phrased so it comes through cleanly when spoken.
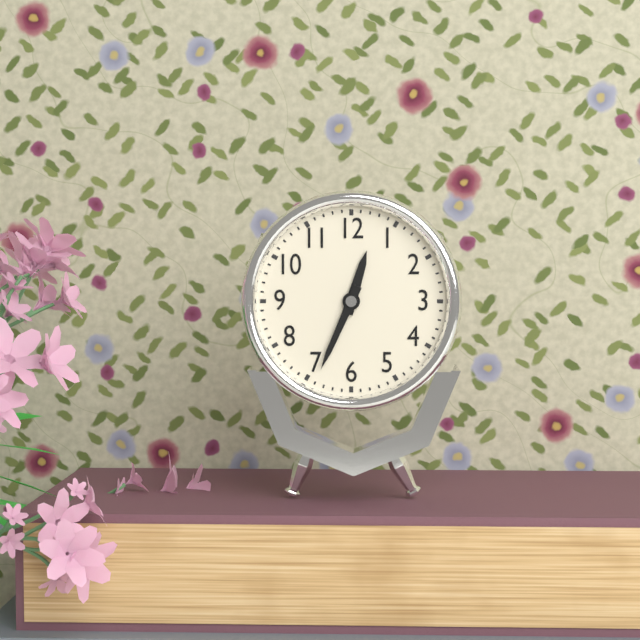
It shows 12 h 34 min
